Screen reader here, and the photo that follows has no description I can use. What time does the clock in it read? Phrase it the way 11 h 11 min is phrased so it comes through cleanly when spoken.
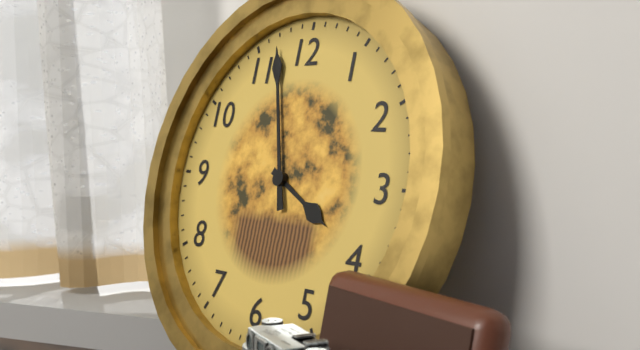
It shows 3 h 57 min
